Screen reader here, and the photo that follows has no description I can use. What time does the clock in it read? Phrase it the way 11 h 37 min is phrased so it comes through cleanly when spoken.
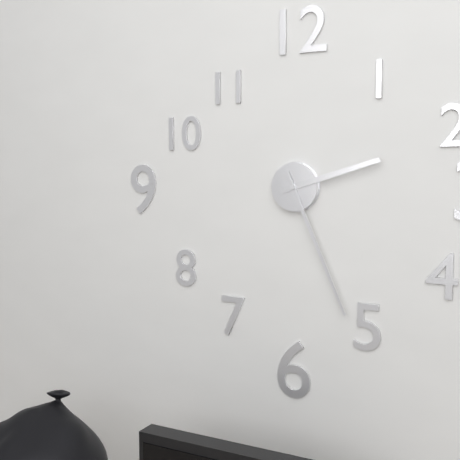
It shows 2 h 26 min
